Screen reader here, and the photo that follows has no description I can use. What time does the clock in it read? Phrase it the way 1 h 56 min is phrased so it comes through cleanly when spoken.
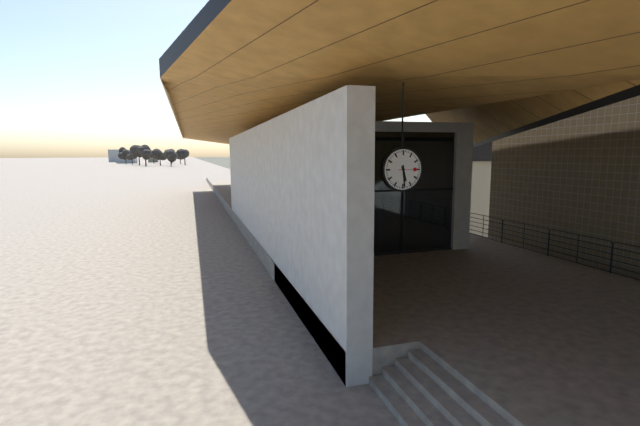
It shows 5 h 29 min
